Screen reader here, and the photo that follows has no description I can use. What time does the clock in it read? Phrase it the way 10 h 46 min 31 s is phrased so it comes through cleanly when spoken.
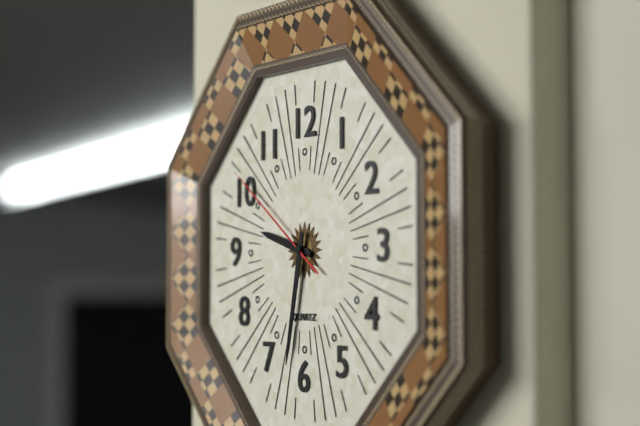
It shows 9 h 32 min 51 s
